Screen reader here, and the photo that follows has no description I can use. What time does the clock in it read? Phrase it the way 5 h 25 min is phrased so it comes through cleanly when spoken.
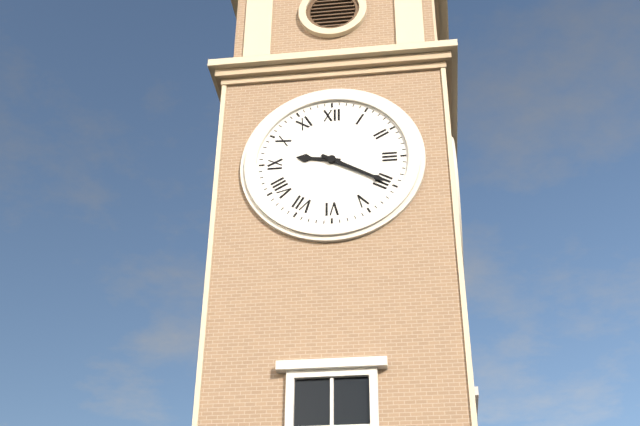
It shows 9 h 20 min
